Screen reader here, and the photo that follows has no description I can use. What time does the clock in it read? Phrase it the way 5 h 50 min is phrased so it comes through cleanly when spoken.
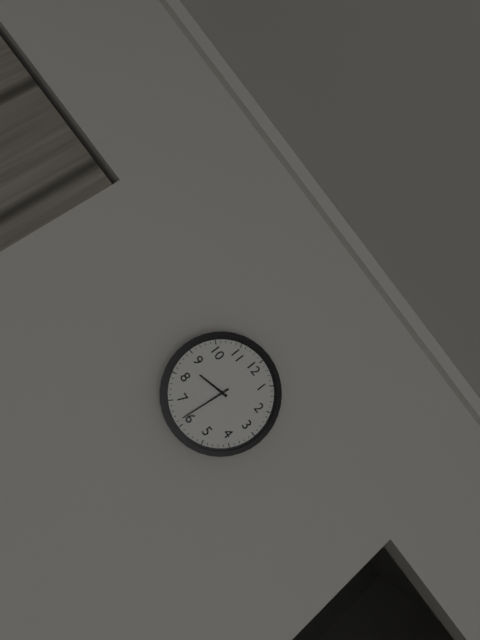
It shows 8 h 31 min
